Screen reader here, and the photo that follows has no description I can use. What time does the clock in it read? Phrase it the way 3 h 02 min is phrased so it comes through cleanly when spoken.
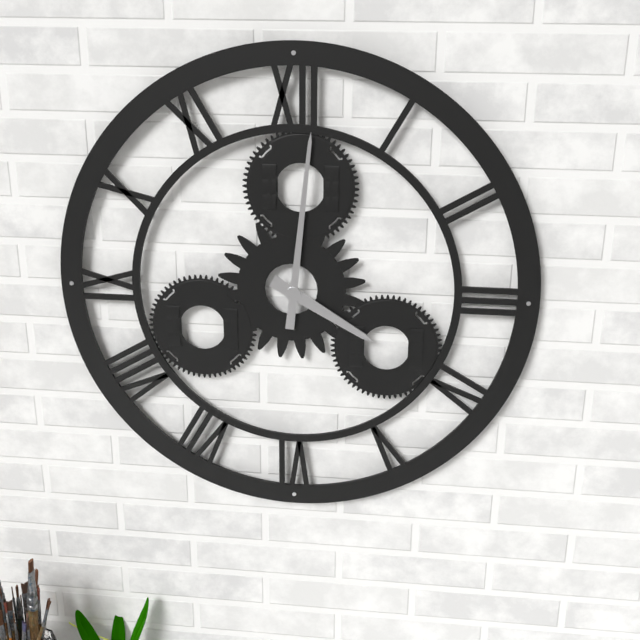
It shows 4 h 01 min
